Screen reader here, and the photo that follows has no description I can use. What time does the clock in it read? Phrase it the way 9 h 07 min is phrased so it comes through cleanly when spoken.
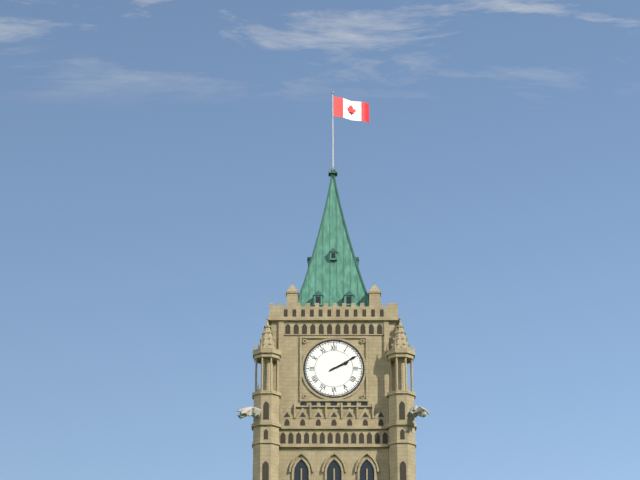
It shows 2 h 10 min
